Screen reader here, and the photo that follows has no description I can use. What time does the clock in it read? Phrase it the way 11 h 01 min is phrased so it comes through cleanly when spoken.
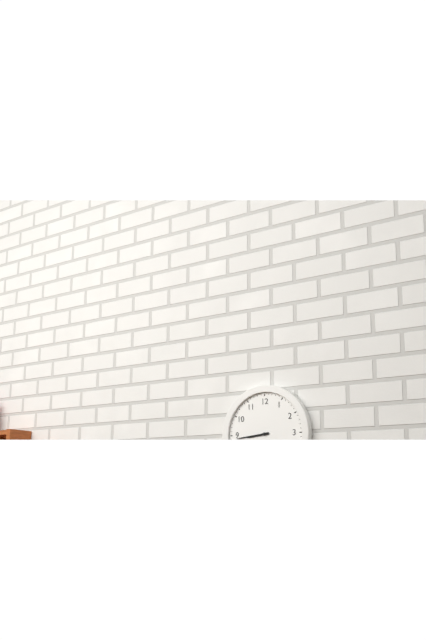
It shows 8 h 44 min
